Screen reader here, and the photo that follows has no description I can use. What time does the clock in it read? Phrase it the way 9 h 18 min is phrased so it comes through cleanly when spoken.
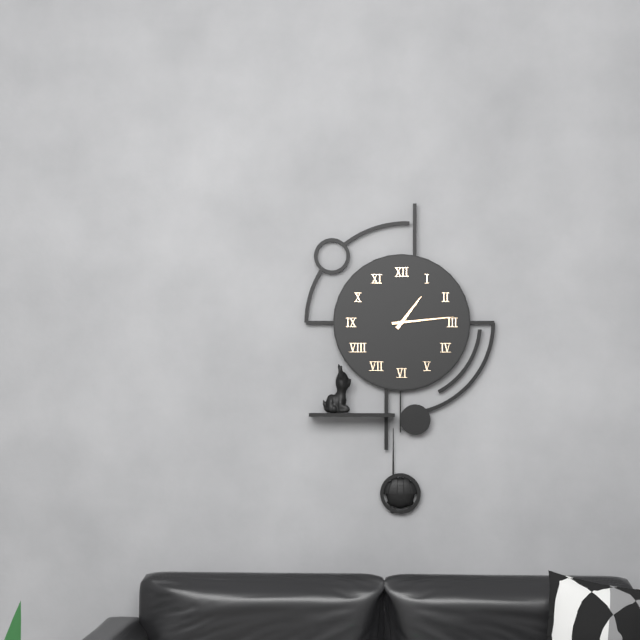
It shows 1 h 14 min
